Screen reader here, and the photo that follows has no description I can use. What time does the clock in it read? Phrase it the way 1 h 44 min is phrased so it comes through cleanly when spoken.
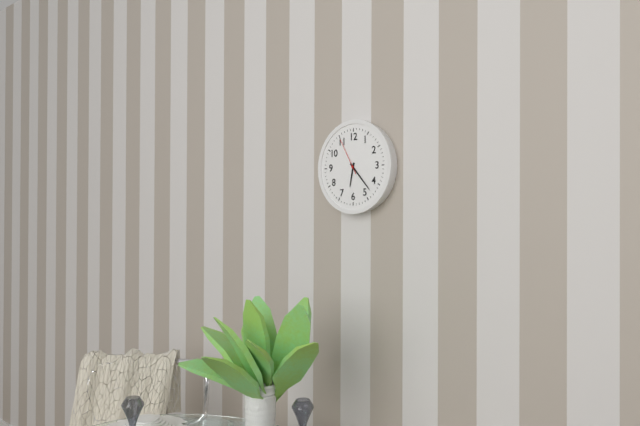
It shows 6 h 23 min
